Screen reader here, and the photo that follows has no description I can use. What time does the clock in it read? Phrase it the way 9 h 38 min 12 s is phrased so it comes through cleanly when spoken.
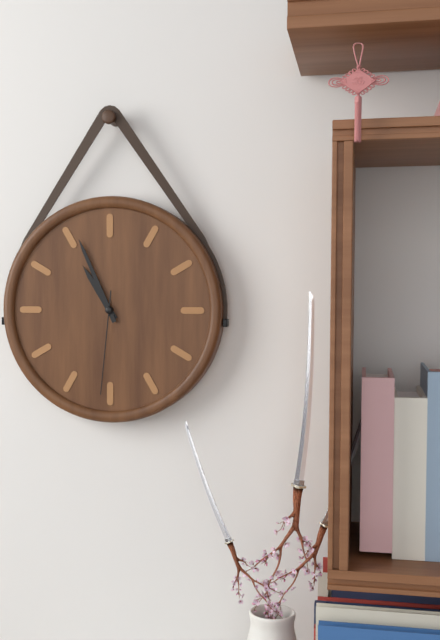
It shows 10 h 56 min 31 s
